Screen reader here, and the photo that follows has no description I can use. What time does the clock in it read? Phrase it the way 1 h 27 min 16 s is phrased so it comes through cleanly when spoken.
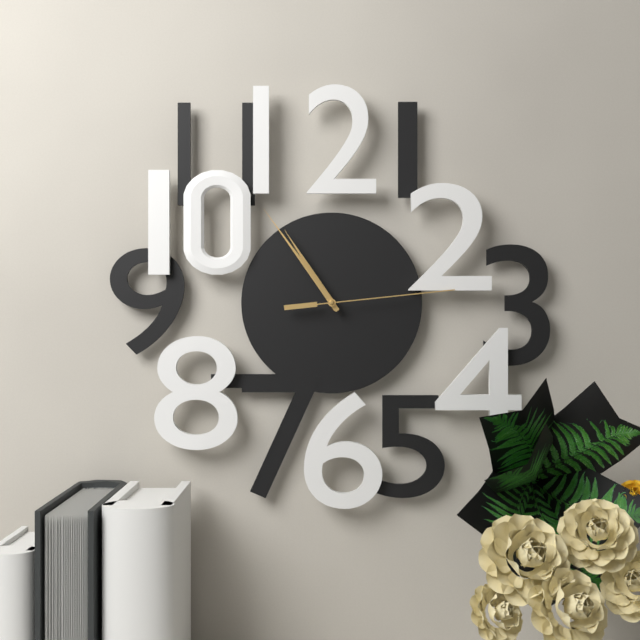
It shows 10 h 54 min 14 s
